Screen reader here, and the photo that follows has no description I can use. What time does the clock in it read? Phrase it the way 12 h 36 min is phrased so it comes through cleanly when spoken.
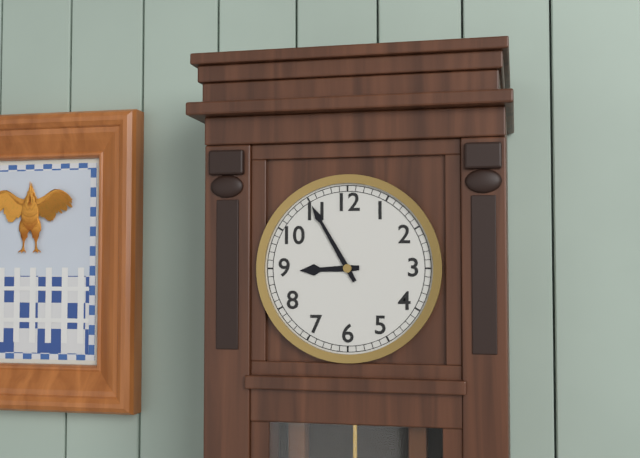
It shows 8 h 55 min
